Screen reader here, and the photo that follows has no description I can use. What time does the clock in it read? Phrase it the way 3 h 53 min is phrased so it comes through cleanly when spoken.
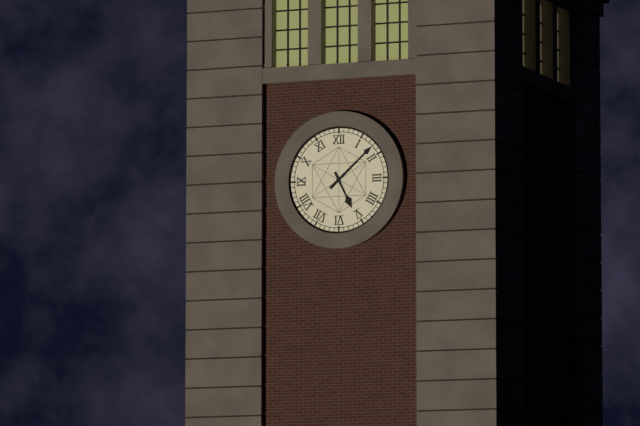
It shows 5 h 08 min
